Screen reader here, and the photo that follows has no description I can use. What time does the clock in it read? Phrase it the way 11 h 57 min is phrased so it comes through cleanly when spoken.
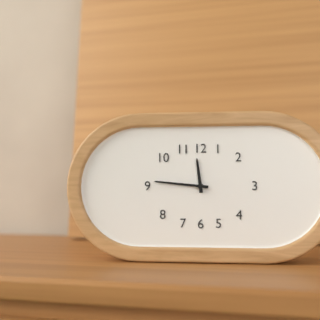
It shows 11 h 46 min
